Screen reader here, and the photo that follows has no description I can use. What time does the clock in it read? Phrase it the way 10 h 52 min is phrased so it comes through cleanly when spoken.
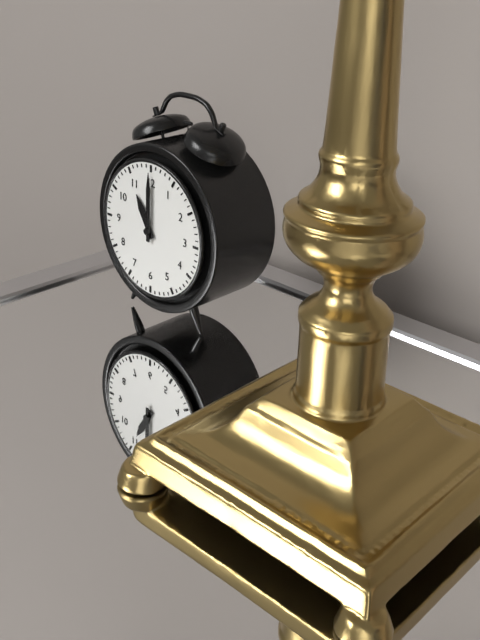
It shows 11 h 00 min
